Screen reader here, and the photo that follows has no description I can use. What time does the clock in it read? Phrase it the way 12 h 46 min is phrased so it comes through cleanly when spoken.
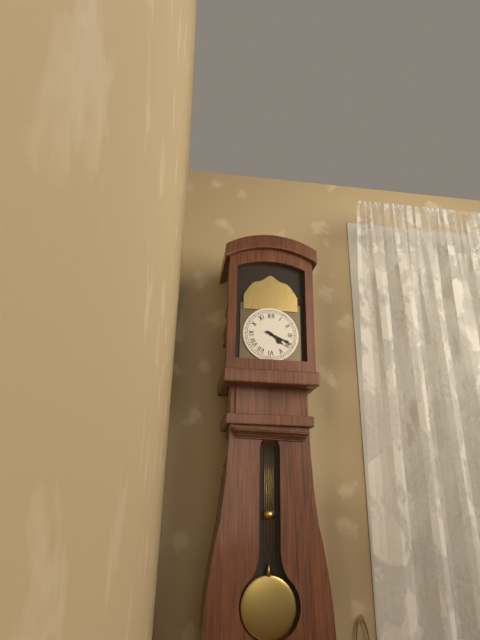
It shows 4 h 19 min
